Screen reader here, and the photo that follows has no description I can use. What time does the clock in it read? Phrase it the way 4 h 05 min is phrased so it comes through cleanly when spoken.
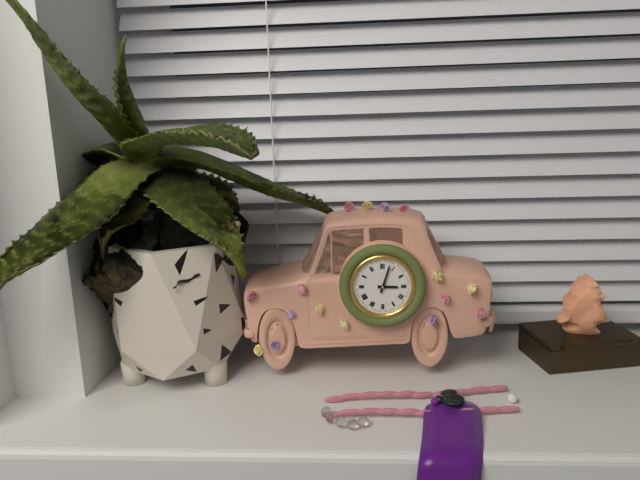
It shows 3 h 03 min
